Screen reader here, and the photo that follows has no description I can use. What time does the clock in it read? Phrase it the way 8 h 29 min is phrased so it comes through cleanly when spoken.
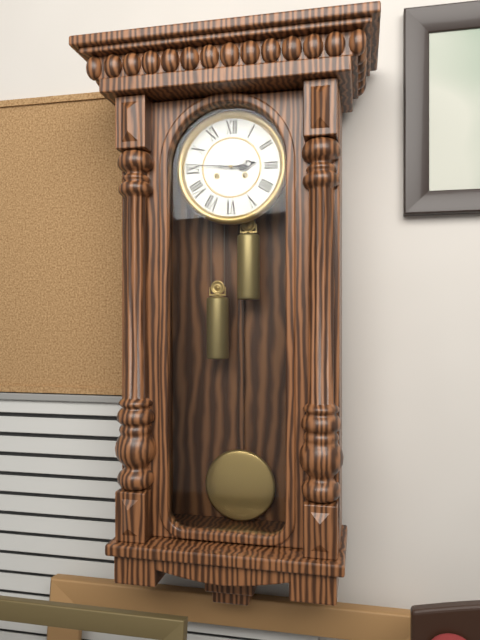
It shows 2 h 46 min
